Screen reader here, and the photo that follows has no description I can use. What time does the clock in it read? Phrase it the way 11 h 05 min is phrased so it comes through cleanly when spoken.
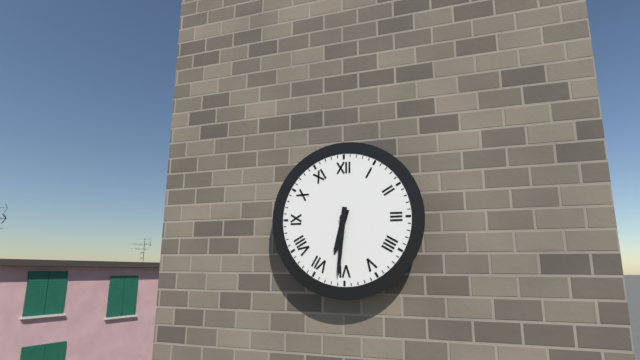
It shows 6 h 31 min
